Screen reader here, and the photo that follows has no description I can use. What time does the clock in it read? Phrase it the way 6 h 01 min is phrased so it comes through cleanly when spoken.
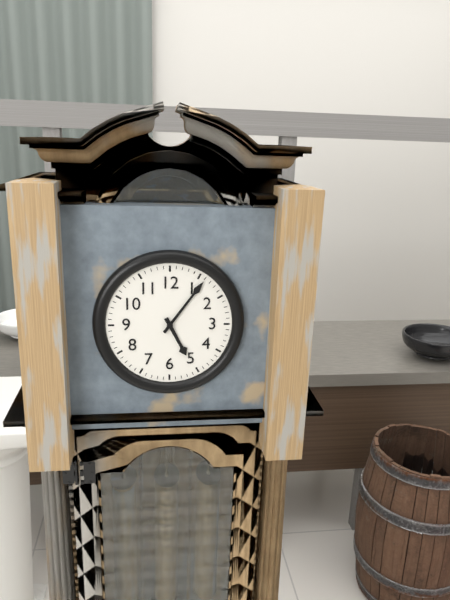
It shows 5 h 06 min
